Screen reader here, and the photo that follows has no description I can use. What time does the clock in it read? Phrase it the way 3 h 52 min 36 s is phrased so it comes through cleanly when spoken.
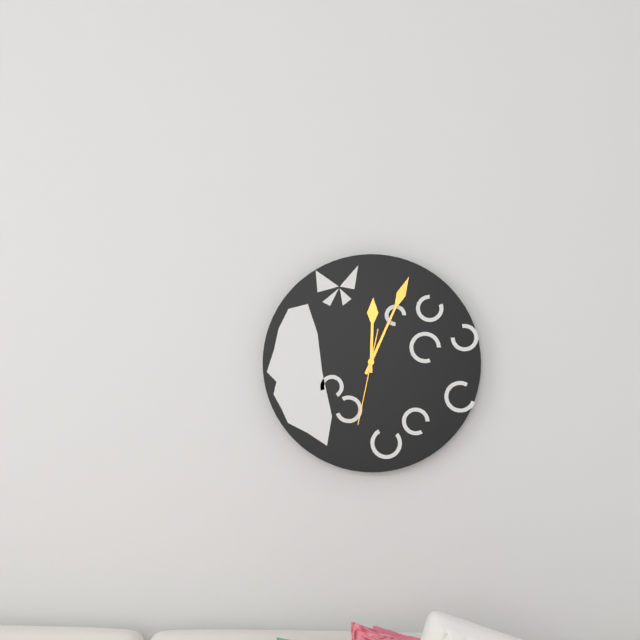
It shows 12 h 04 min 32 s
